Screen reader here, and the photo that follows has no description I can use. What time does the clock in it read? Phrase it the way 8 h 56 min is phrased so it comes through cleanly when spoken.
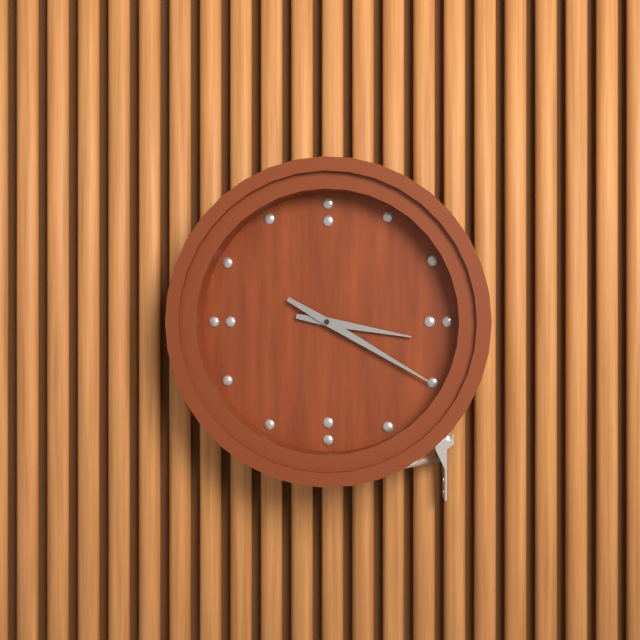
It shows 3 h 20 min
